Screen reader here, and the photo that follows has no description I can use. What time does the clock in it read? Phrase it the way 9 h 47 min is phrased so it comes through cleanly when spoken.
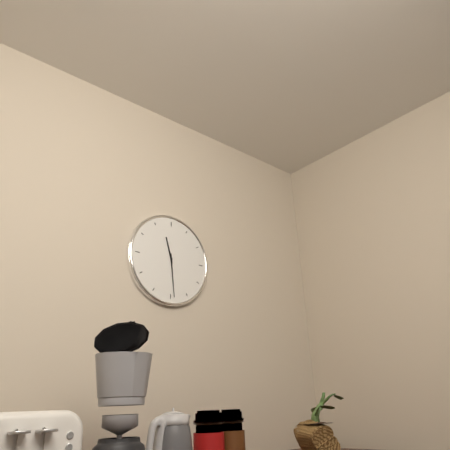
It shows 11 h 29 min
